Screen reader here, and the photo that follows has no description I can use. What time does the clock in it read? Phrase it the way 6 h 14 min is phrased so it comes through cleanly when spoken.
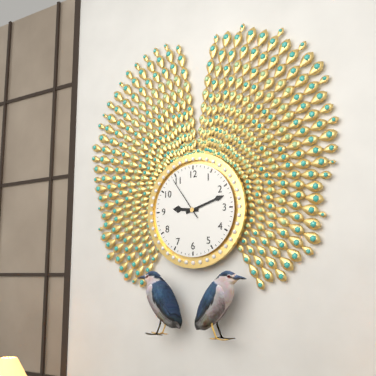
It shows 9 h 12 min
